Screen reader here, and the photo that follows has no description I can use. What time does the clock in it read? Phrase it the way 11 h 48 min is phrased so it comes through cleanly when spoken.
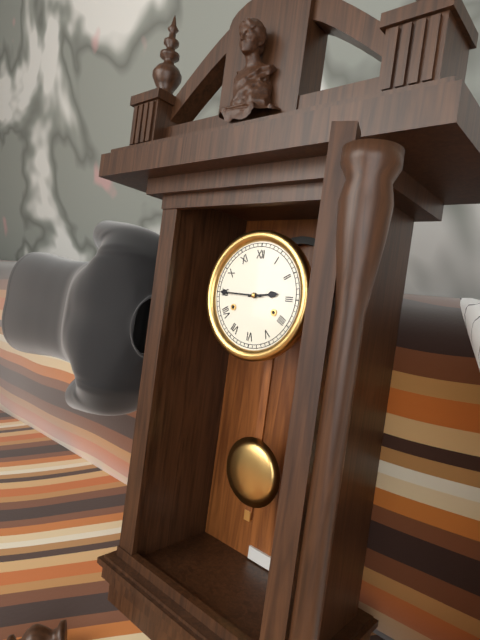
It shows 2 h 45 min
